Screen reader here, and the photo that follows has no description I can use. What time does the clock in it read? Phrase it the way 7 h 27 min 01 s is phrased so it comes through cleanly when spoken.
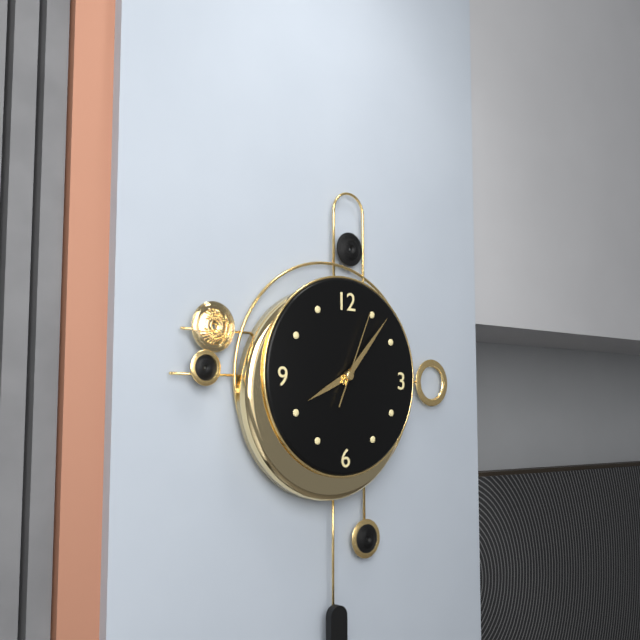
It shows 8 h 07 min 04 s
